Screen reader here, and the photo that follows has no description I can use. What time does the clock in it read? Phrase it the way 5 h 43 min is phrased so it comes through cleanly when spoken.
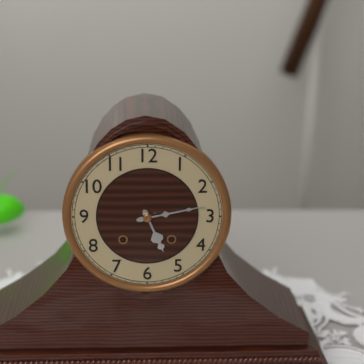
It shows 5 h 13 min
